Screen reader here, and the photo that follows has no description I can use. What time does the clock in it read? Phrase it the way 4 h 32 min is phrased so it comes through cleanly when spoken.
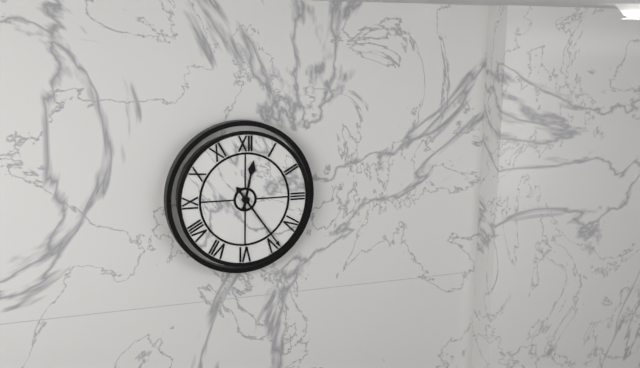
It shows 12 h 24 min
